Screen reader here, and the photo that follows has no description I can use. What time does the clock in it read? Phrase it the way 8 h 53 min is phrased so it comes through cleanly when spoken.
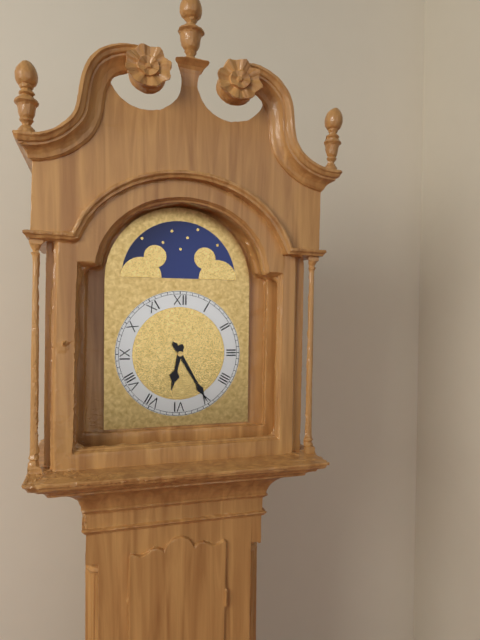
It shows 6 h 25 min
